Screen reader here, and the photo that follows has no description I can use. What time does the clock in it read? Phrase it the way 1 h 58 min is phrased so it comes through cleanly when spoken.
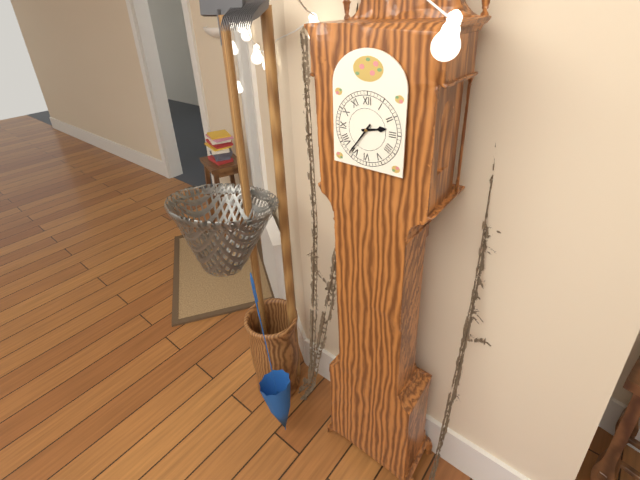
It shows 2 h 36 min
